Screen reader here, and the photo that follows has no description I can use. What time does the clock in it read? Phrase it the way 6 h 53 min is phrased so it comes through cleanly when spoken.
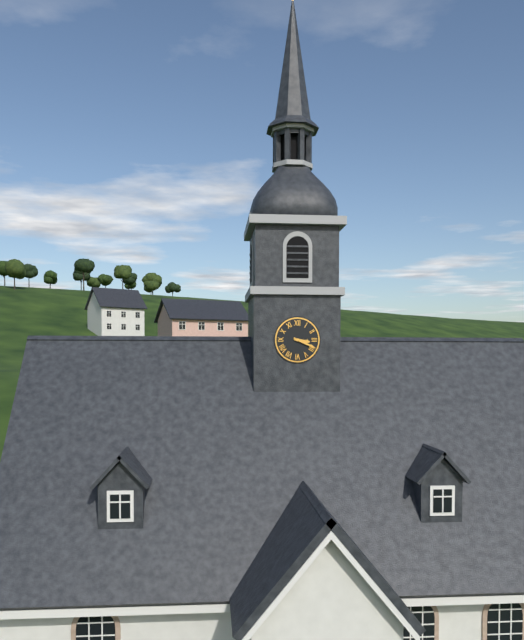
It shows 3 h 19 min
